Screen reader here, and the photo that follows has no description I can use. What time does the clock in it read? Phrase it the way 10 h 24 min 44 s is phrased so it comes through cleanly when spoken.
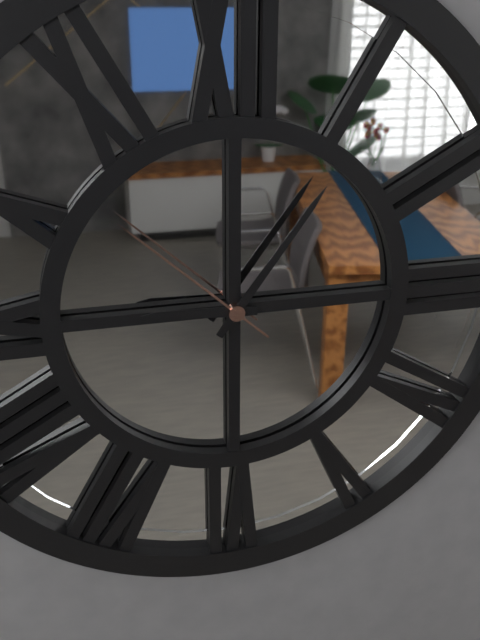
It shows 9 h 06 min 52 s
